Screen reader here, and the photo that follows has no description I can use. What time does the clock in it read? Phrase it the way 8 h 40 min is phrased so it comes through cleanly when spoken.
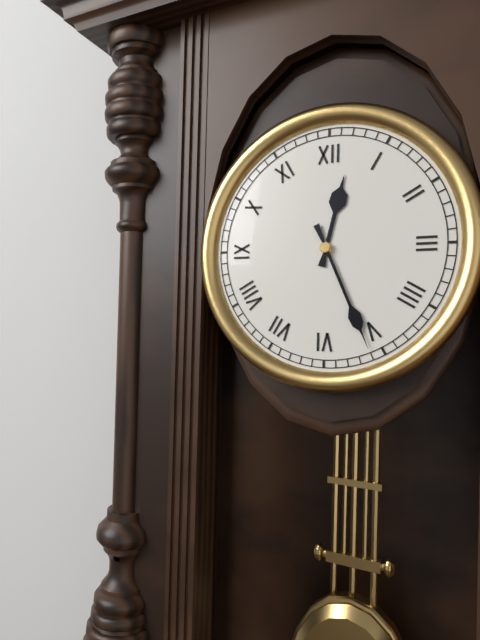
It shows 12 h 26 min
